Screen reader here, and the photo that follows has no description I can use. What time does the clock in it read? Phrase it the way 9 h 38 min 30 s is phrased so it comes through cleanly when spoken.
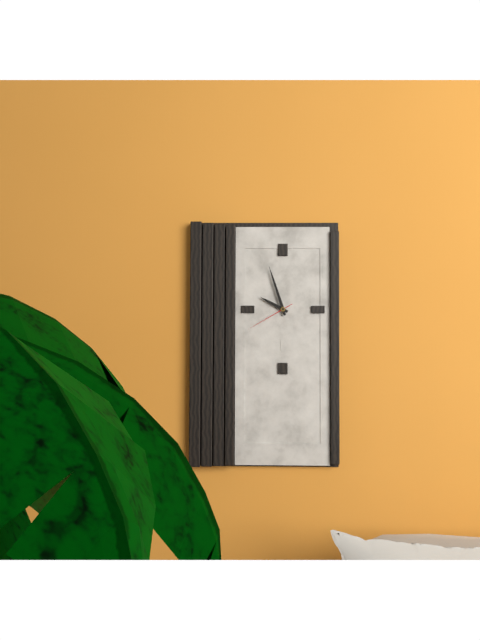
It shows 9 h 57 min 40 s
